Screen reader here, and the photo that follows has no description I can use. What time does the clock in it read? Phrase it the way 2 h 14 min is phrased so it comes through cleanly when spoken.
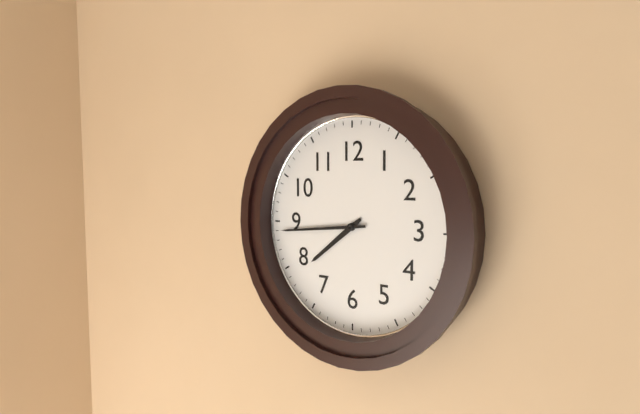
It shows 7 h 44 min
